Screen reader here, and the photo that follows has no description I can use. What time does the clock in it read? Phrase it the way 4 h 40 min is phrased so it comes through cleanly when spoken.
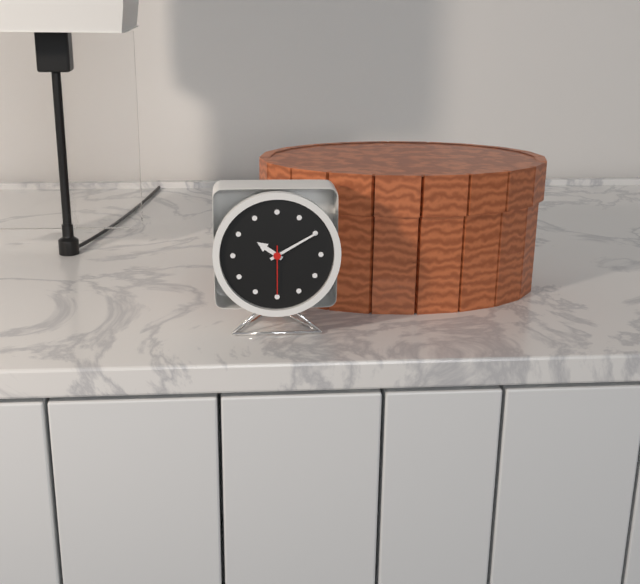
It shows 10 h 10 min
